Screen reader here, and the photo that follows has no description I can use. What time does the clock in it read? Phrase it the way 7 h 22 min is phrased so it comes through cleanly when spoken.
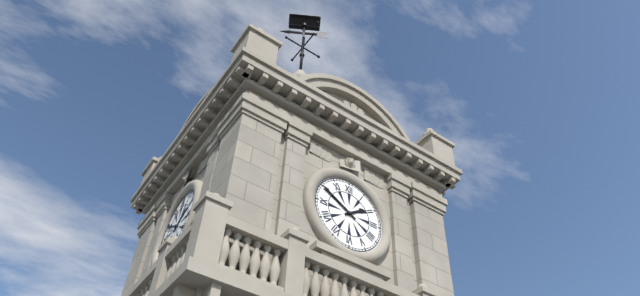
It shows 1 h 50 min
